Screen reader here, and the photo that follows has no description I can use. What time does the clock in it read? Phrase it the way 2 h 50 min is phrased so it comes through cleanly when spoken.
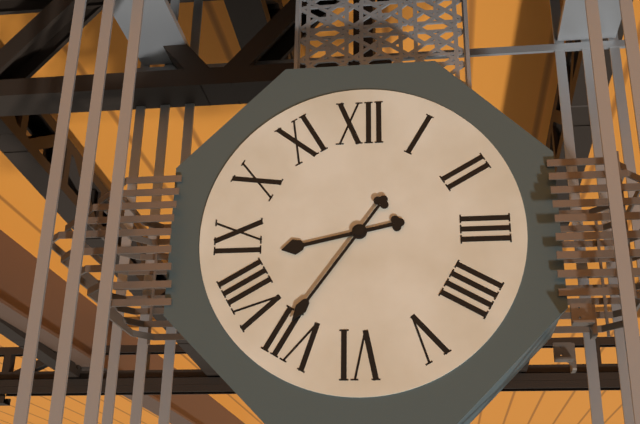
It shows 8 h 36 min
